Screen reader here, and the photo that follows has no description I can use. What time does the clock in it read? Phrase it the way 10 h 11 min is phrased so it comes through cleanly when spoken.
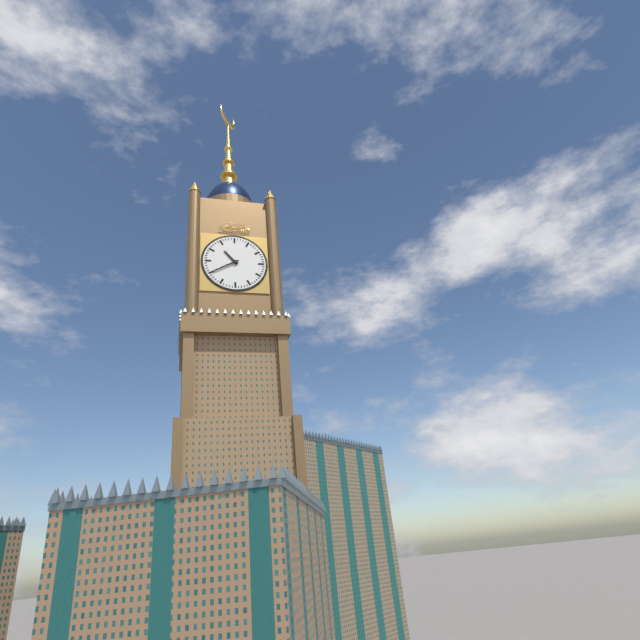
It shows 10 h 40 min
